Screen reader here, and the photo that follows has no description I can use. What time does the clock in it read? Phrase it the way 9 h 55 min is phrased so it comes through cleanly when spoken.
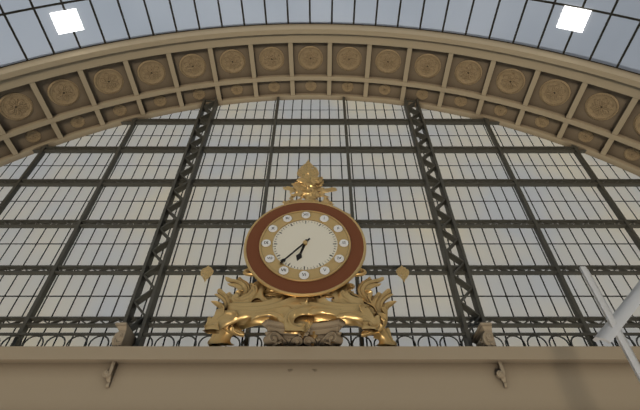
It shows 6 h 37 min
